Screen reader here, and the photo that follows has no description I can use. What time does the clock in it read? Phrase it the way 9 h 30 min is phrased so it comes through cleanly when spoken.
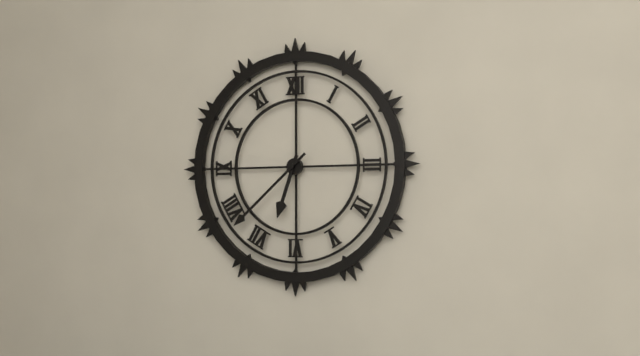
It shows 6 h 38 min
